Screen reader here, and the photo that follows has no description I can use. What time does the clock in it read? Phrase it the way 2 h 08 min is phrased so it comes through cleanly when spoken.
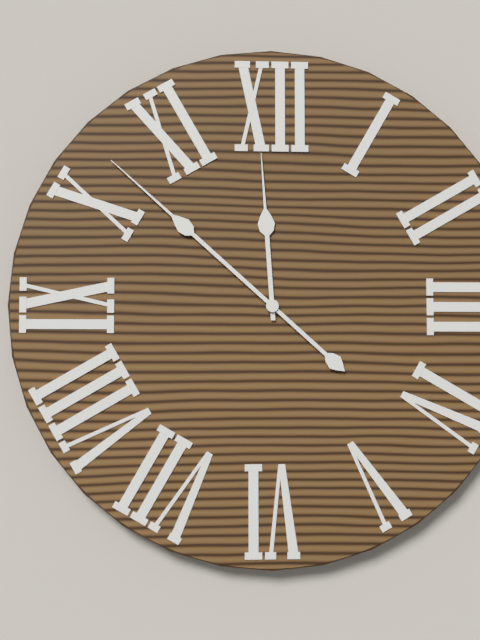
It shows 11 h 52 min
